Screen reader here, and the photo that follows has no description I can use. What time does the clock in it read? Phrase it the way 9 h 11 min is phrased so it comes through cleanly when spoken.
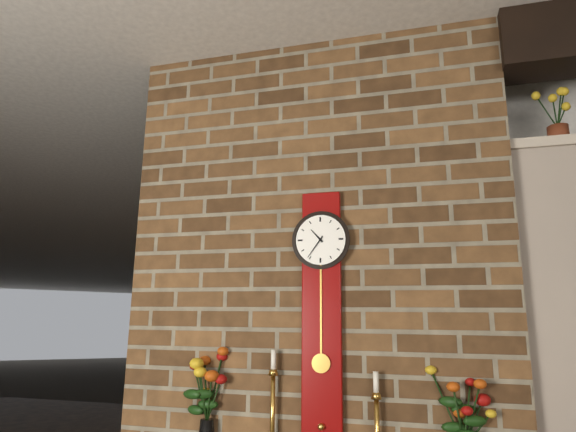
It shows 10 h 36 min
